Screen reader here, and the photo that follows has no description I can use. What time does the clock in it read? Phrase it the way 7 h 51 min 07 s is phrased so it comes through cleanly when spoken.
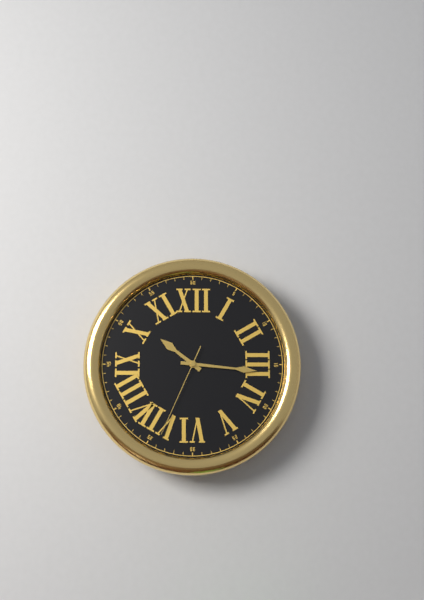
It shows 10 h 16 min 34 s
